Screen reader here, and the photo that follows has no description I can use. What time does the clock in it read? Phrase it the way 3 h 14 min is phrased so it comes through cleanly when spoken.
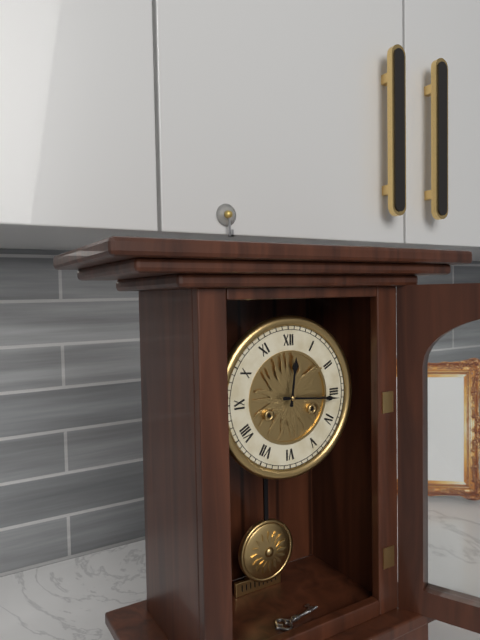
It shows 12 h 16 min
